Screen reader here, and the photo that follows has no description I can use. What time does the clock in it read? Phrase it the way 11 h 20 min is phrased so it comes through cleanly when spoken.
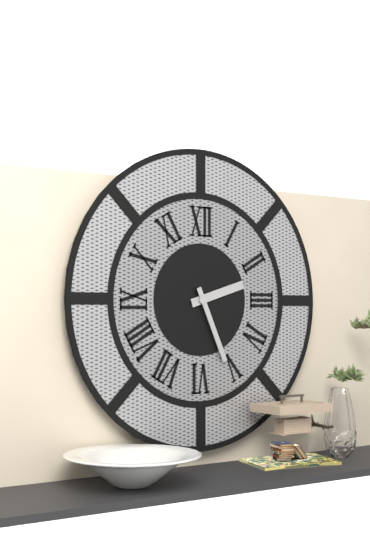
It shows 2 h 26 min
